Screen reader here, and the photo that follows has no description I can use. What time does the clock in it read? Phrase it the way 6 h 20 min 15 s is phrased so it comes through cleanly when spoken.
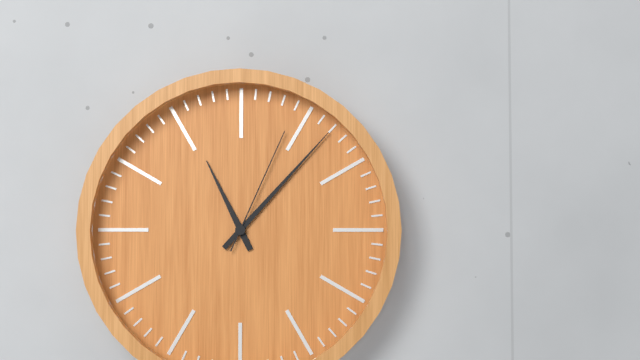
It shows 11 h 07 min 04 s
